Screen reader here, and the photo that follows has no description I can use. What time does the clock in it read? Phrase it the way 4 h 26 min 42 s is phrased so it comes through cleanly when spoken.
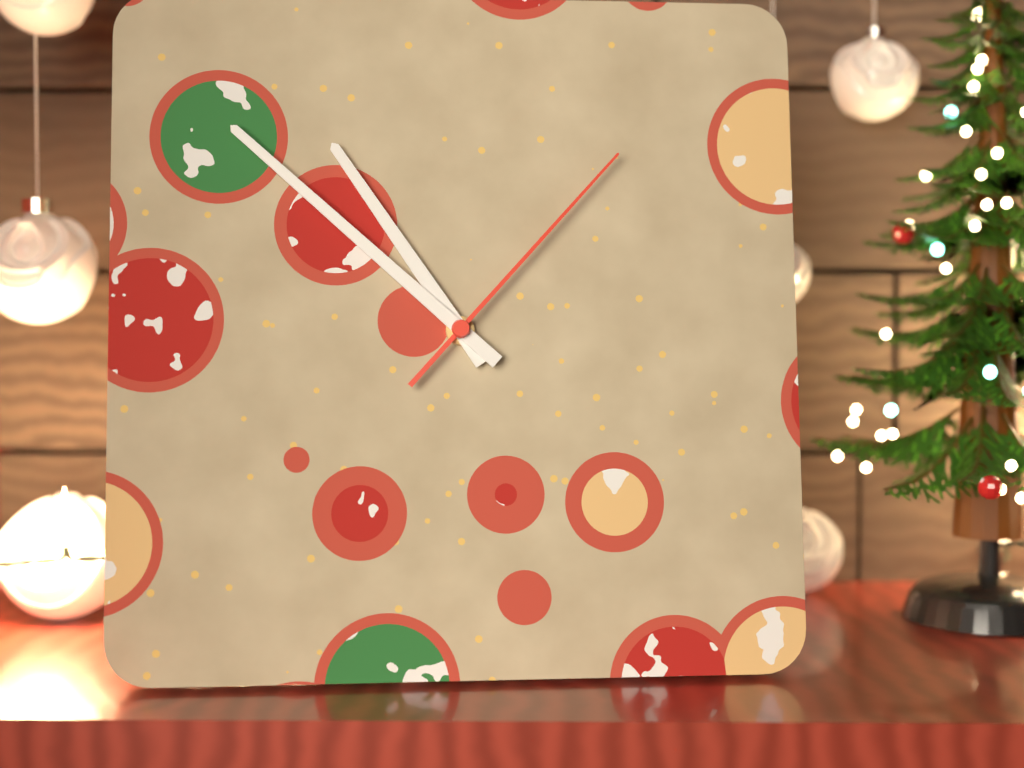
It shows 10 h 52 min 07 s
